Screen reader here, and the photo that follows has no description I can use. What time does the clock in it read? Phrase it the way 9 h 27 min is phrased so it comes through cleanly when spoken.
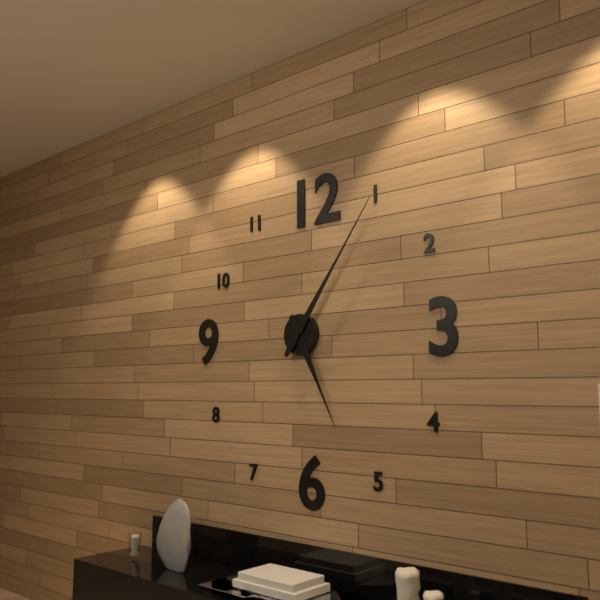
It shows 5 h 06 min
